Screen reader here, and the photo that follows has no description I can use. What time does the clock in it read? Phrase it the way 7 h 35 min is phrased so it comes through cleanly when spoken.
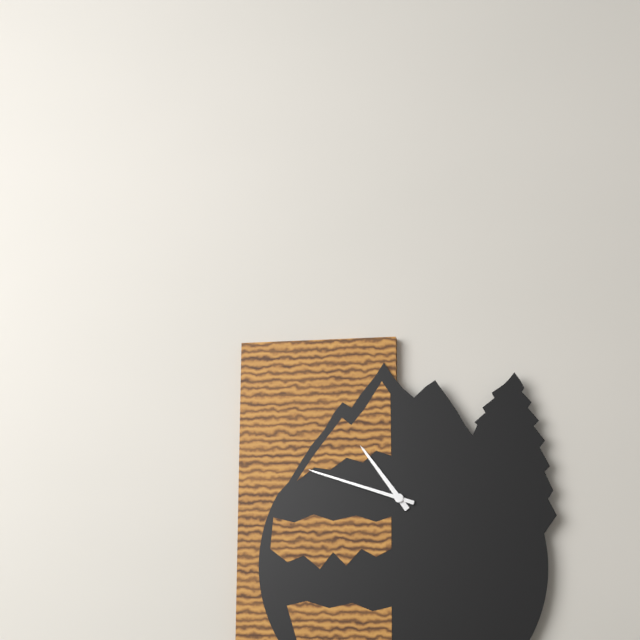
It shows 10 h 48 min
